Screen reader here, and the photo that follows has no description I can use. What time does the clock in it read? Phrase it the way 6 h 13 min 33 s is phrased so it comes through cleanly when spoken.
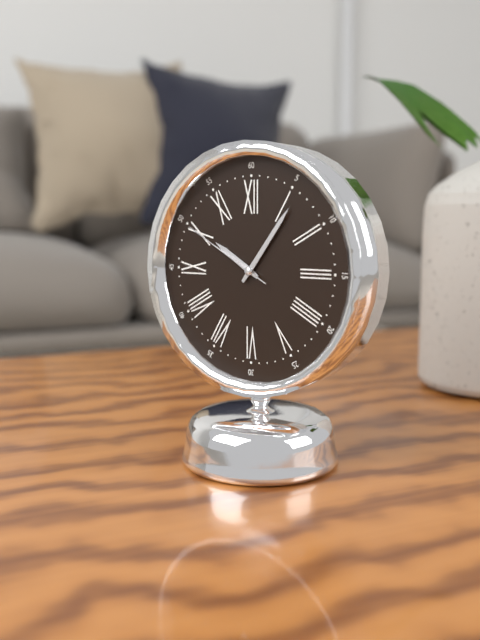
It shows 10 h 06 min 50 s
